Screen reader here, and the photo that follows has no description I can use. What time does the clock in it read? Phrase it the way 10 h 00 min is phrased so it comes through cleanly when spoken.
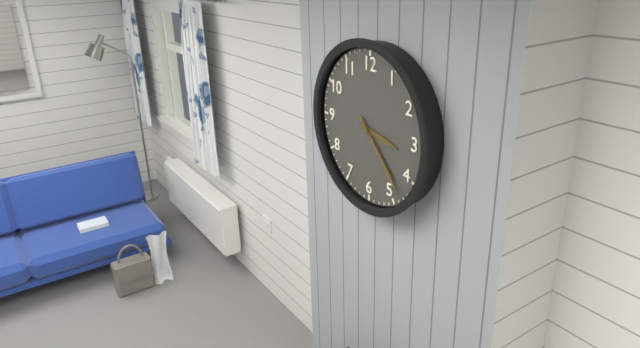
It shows 3 h 23 min
